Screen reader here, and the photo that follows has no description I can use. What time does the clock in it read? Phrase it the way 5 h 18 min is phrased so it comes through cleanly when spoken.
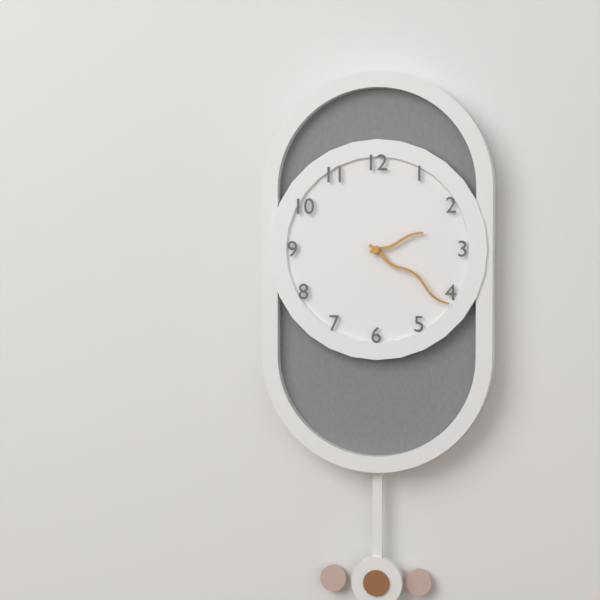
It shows 2 h 21 min
